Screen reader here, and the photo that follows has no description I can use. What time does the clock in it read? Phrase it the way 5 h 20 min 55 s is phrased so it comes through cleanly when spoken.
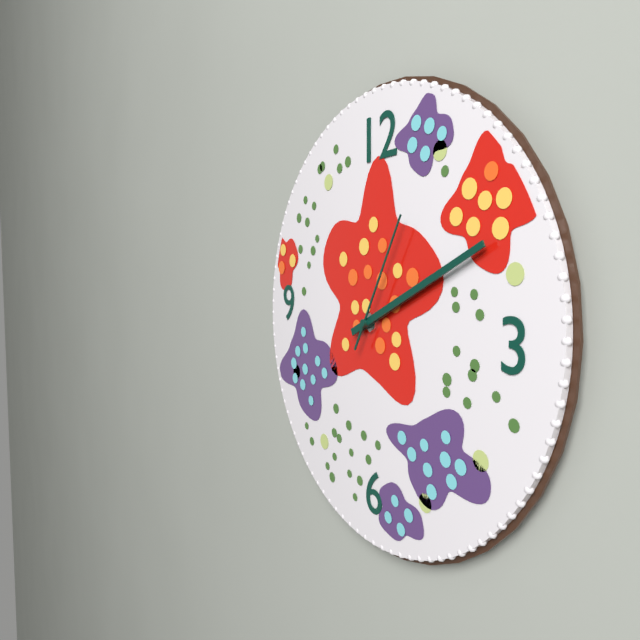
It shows 2 h 11 min 05 s
